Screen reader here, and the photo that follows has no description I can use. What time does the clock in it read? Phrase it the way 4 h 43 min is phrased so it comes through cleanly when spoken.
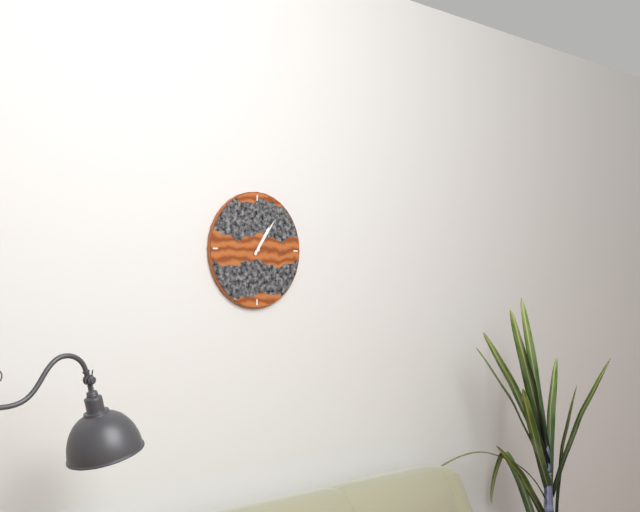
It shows 1 h 06 min
